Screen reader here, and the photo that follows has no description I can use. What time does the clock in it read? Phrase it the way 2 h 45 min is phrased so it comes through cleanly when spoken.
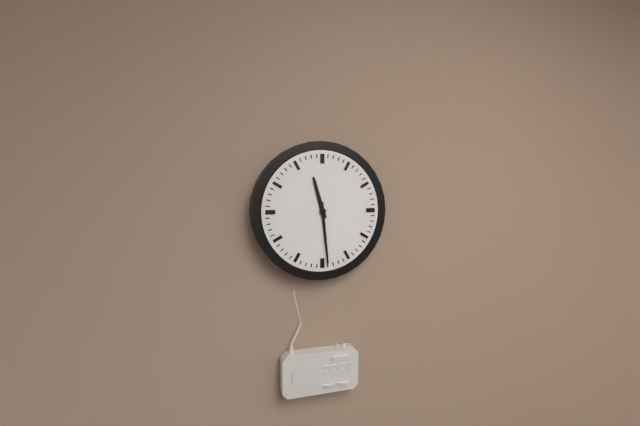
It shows 11 h 29 min
